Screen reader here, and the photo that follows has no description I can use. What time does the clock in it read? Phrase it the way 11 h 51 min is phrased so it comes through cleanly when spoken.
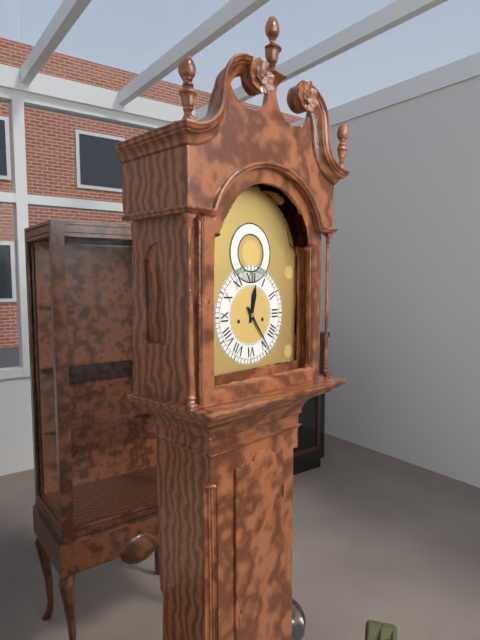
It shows 12 h 24 min
